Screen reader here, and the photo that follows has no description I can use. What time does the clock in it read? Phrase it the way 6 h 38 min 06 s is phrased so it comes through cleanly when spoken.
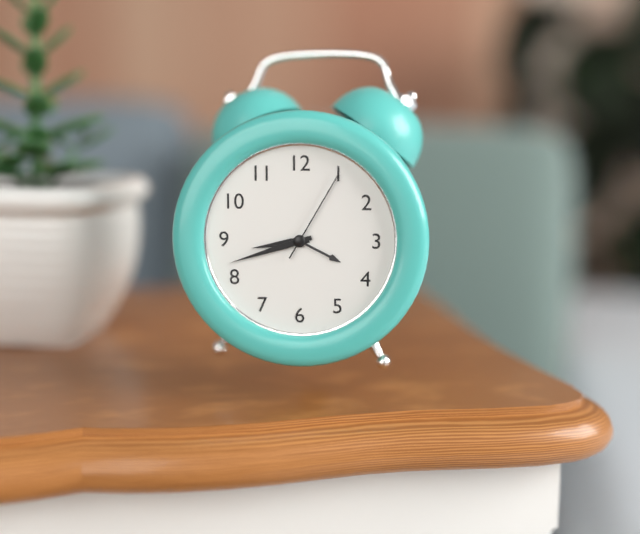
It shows 8 h 42 min 05 s
